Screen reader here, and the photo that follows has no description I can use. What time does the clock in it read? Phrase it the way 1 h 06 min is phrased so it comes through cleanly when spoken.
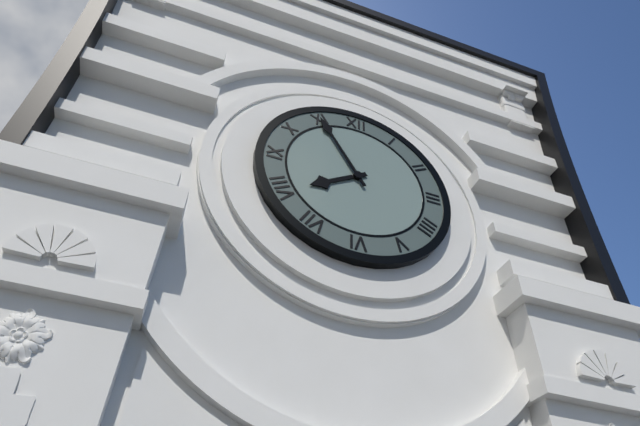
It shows 7 h 55 min
